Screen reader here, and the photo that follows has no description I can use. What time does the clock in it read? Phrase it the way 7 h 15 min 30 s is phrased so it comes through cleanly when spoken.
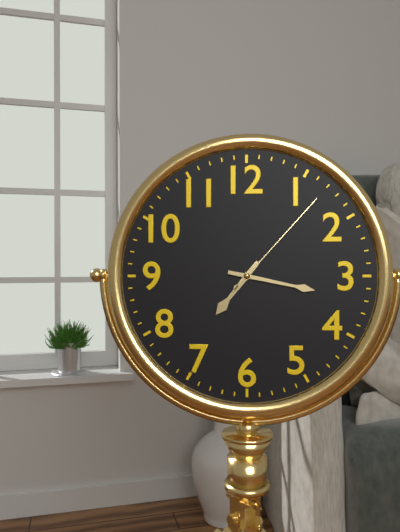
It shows 7 h 17 min 07 s
